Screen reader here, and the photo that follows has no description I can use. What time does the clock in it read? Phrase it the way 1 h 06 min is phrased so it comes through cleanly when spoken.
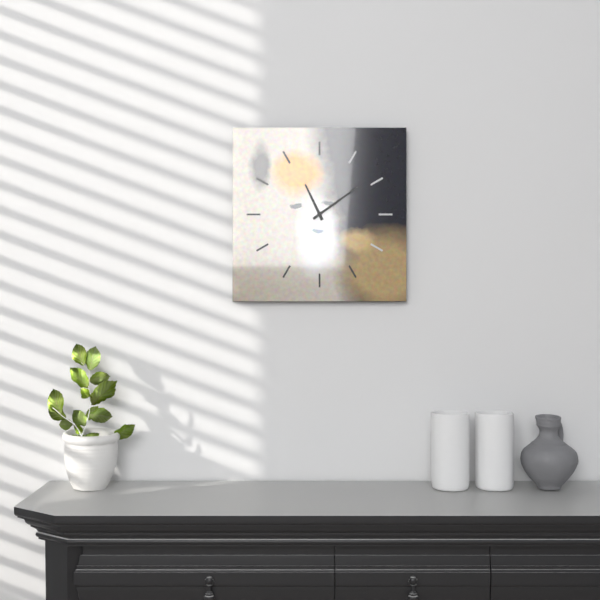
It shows 11 h 09 min
